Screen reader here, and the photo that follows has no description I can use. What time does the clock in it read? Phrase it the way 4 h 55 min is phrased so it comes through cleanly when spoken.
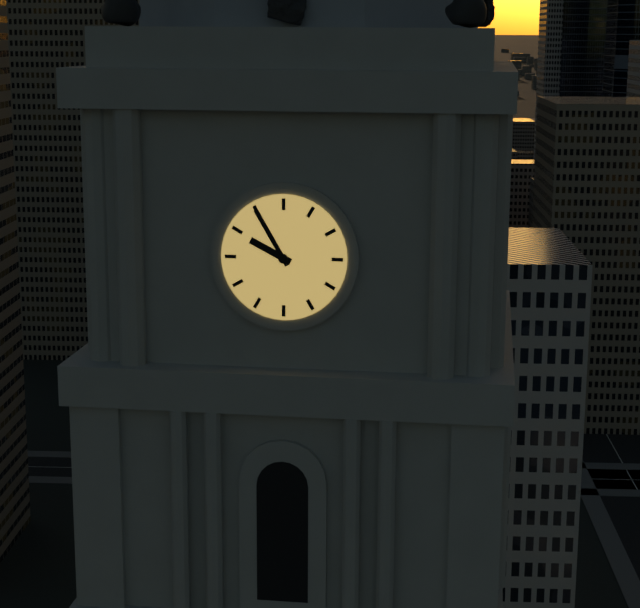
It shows 9 h 55 min
